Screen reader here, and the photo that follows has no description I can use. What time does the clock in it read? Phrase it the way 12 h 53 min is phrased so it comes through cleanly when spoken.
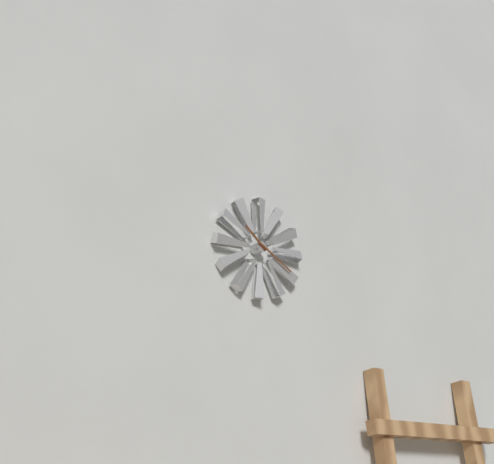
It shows 10 h 20 min
